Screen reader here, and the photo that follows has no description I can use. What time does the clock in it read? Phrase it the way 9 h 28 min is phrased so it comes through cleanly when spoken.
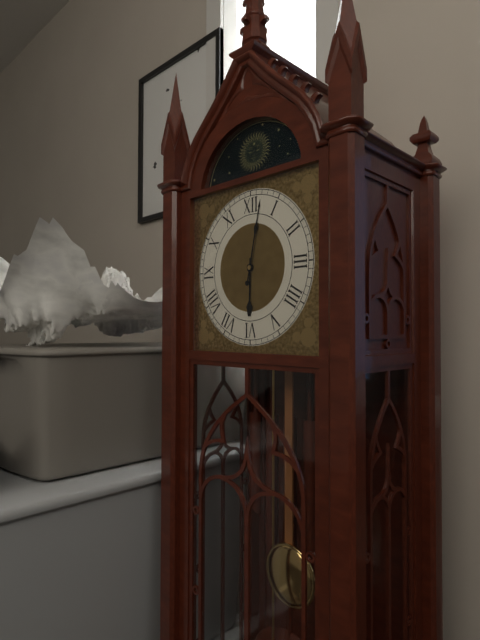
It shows 6 h 02 min
